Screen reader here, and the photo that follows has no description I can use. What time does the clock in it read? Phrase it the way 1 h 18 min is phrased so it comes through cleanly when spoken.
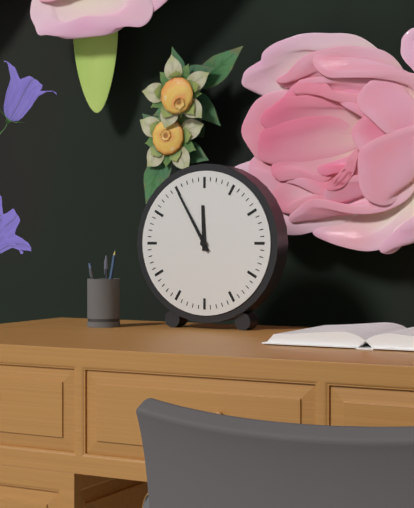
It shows 11 h 55 min
